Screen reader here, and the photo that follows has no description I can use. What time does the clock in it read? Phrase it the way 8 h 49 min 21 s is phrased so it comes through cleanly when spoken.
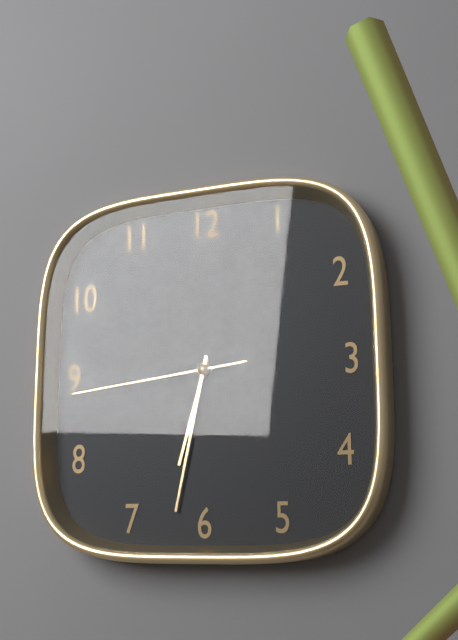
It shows 6 h 32 min 44 s
